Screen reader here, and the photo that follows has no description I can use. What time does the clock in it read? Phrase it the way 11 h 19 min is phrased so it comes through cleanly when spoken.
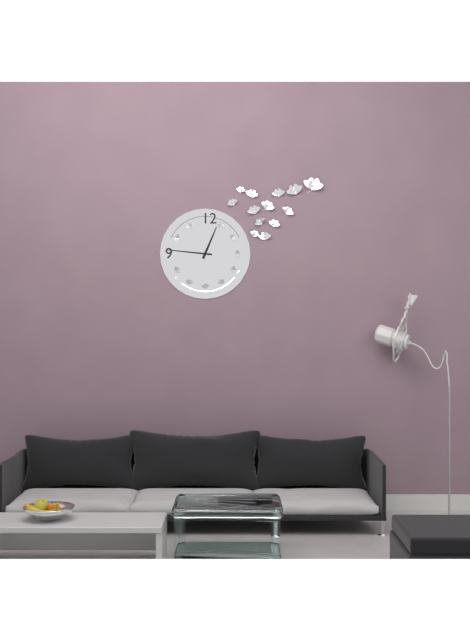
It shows 12 h 46 min
